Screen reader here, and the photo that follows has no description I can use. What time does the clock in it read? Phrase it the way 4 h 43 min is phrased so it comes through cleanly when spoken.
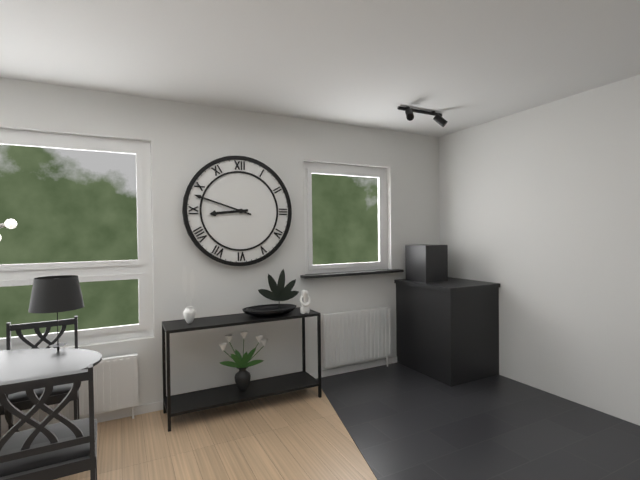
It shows 8 h 48 min
